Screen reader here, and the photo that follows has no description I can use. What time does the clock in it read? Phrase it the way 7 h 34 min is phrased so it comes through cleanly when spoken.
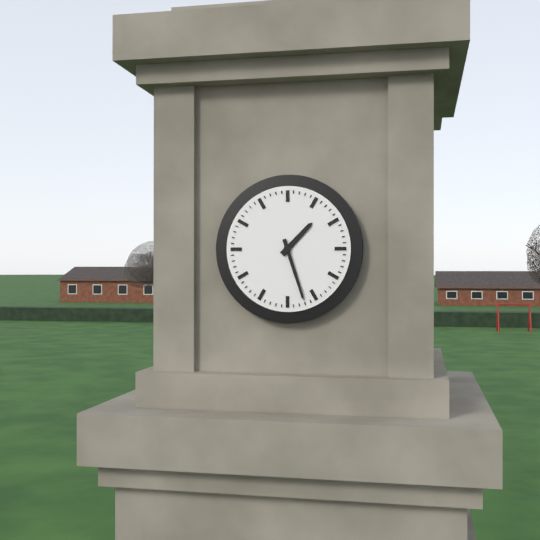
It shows 1 h 27 min
